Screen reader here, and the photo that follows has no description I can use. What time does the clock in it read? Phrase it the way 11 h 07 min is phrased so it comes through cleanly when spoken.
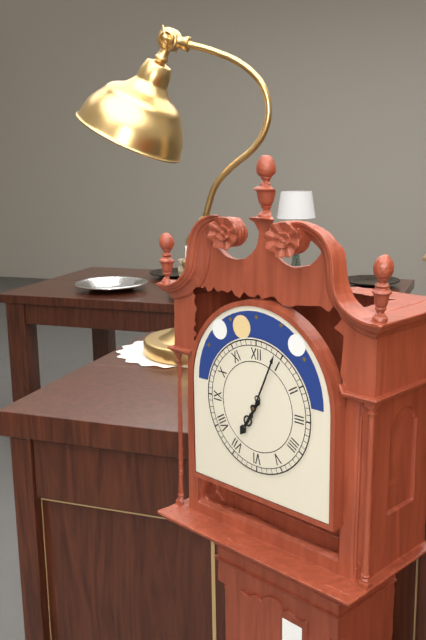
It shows 7 h 04 min
